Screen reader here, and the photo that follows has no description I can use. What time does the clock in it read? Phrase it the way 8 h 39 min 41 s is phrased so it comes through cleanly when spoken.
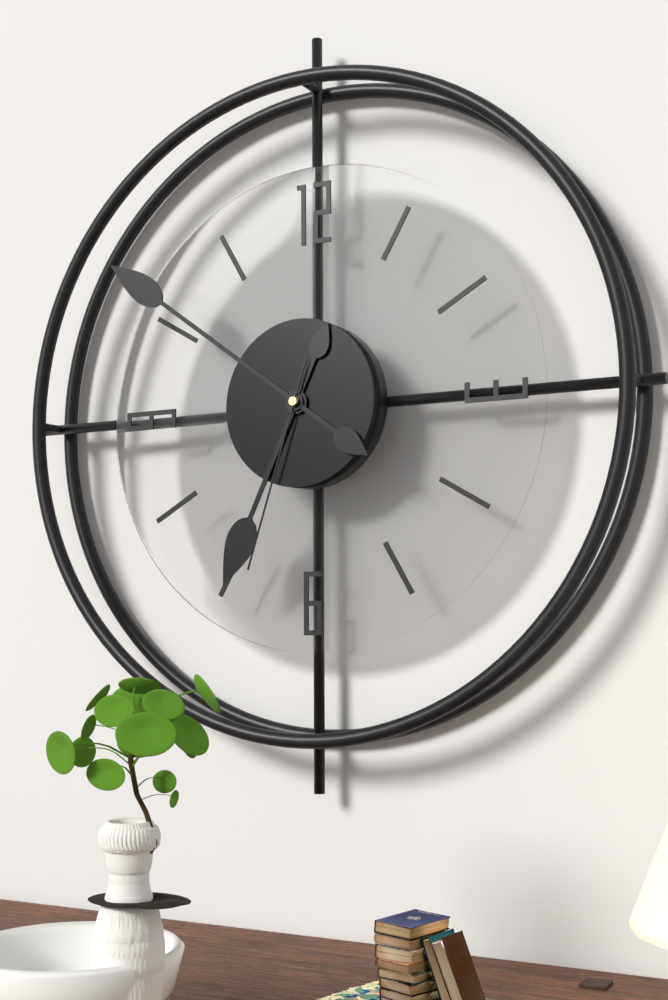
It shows 6 h 51 min 33 s
